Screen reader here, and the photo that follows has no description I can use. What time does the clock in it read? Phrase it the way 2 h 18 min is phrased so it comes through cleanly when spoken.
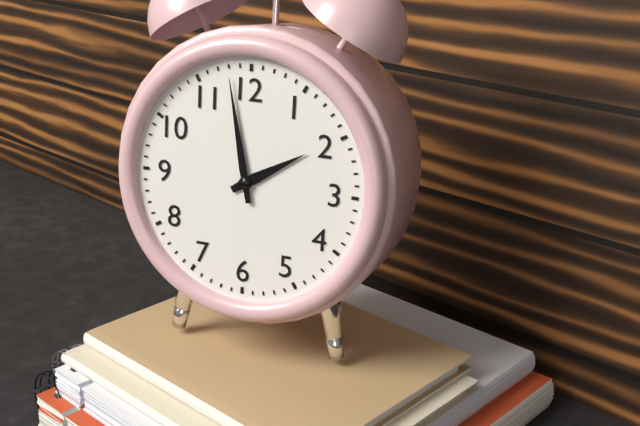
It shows 1 h 58 min
